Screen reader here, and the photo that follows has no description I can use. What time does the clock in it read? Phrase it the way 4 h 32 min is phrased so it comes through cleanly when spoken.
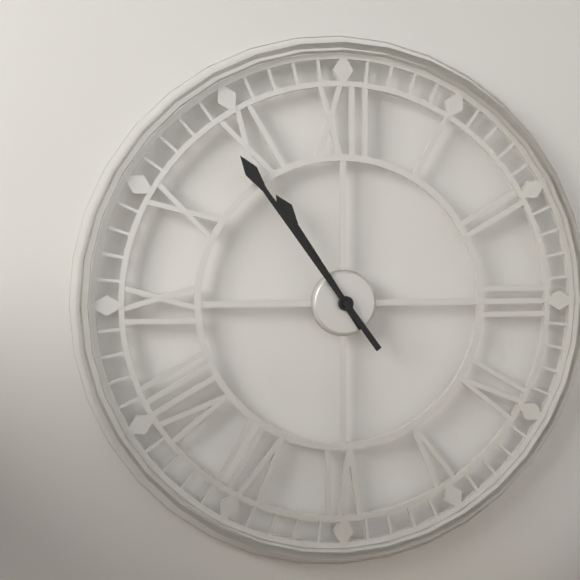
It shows 10 h 54 min
